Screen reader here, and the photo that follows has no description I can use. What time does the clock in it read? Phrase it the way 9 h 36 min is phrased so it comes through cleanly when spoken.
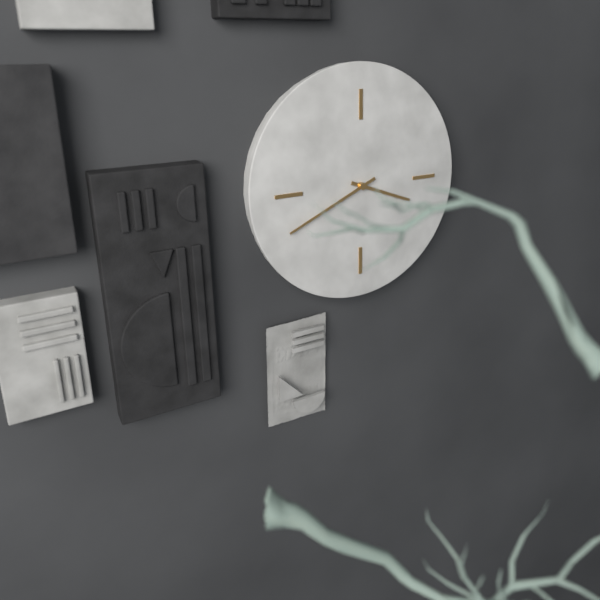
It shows 3 h 41 min
